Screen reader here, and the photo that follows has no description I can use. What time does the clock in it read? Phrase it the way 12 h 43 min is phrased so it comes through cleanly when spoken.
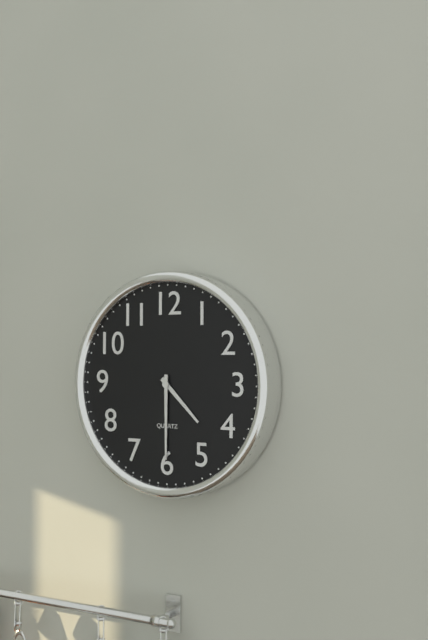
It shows 4 h 30 min
